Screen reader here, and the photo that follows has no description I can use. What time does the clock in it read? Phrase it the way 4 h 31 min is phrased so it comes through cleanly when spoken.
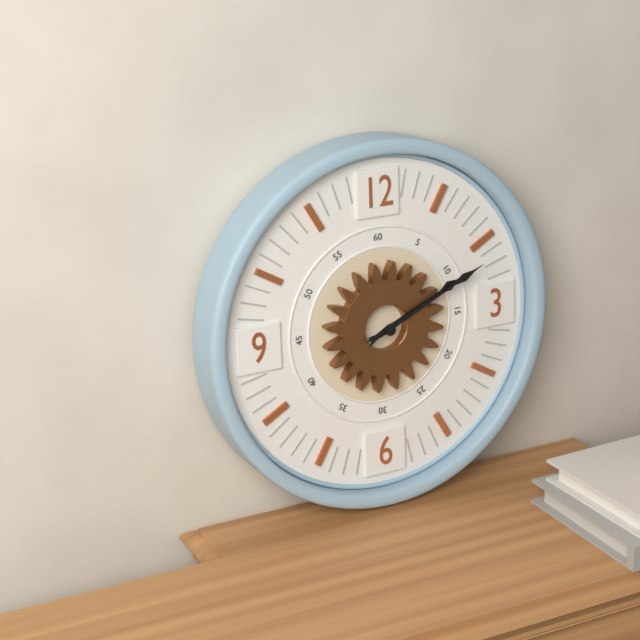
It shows 2 h 11 min
